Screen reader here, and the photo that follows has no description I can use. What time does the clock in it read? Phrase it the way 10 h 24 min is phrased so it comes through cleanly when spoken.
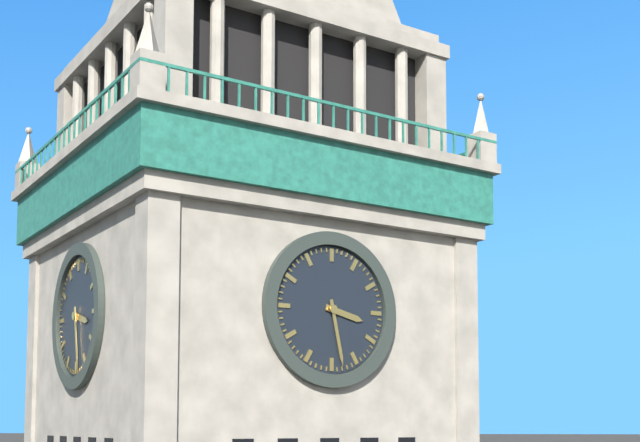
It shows 3 h 28 min
